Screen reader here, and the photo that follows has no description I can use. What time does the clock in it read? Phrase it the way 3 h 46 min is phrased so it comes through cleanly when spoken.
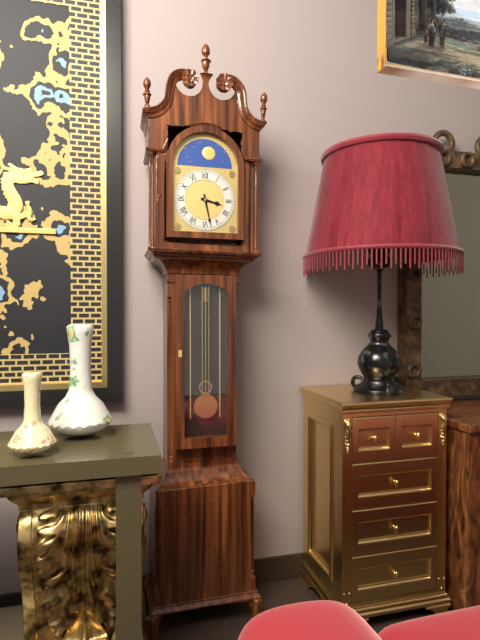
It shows 3 h 28 min
